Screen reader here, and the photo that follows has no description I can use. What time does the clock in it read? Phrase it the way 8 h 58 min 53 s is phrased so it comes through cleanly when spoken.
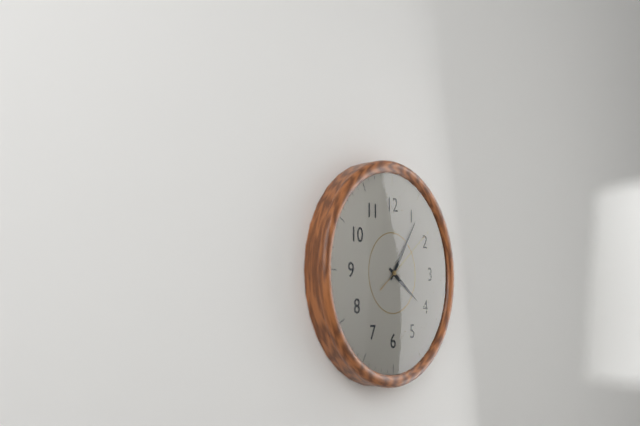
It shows 4 h 06 min 09 s
